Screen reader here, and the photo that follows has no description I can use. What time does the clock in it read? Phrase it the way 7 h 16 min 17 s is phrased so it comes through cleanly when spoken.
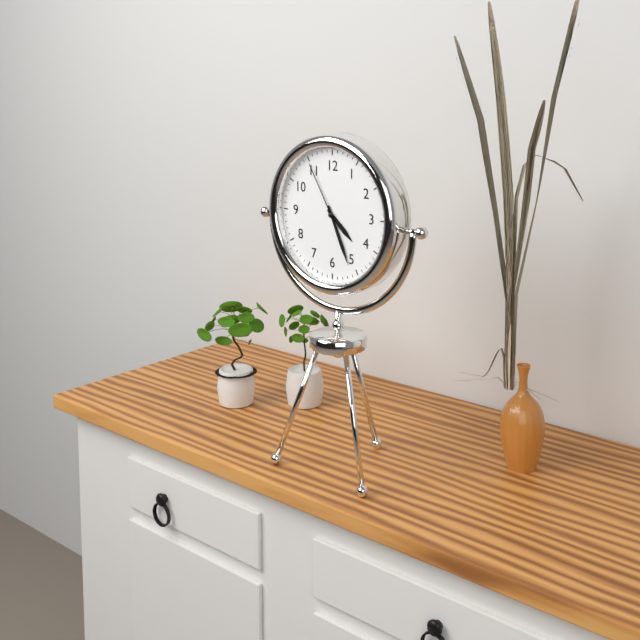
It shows 4 h 26 min 55 s
